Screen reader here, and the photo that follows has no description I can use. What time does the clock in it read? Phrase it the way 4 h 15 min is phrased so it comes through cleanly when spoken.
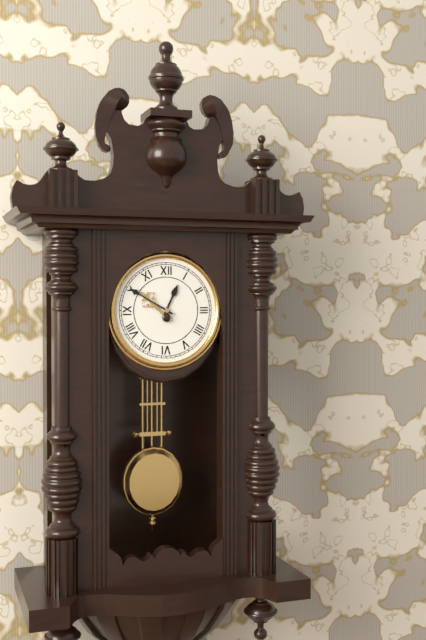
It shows 12 h 50 min
